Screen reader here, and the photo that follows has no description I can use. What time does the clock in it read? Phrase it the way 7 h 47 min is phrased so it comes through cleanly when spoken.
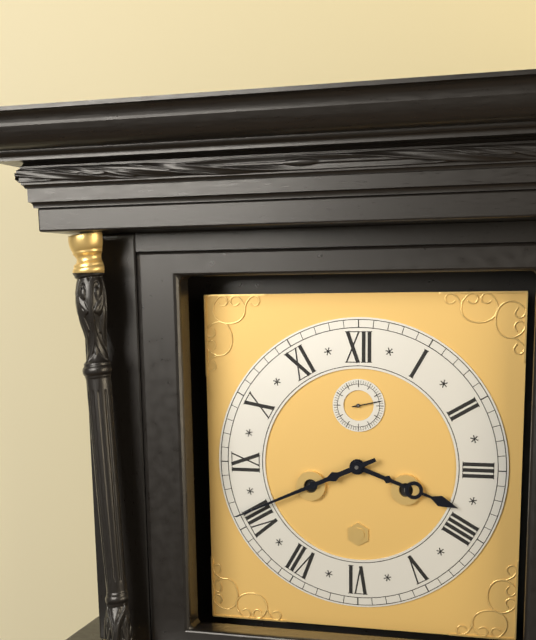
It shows 3 h 41 min
